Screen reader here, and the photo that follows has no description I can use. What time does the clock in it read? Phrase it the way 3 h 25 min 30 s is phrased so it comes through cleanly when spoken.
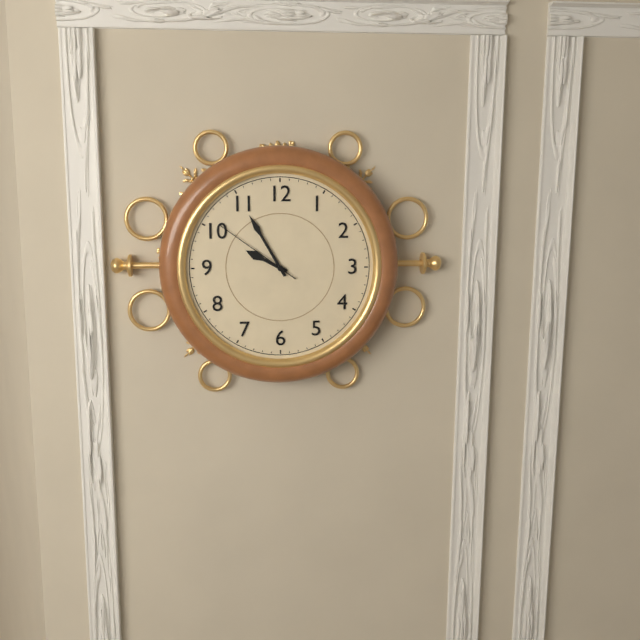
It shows 9 h 55 min 51 s
